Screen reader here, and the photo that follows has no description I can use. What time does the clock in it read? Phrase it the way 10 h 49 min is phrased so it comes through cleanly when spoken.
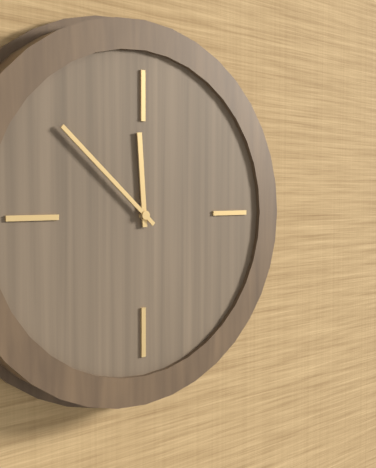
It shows 11 h 52 min
